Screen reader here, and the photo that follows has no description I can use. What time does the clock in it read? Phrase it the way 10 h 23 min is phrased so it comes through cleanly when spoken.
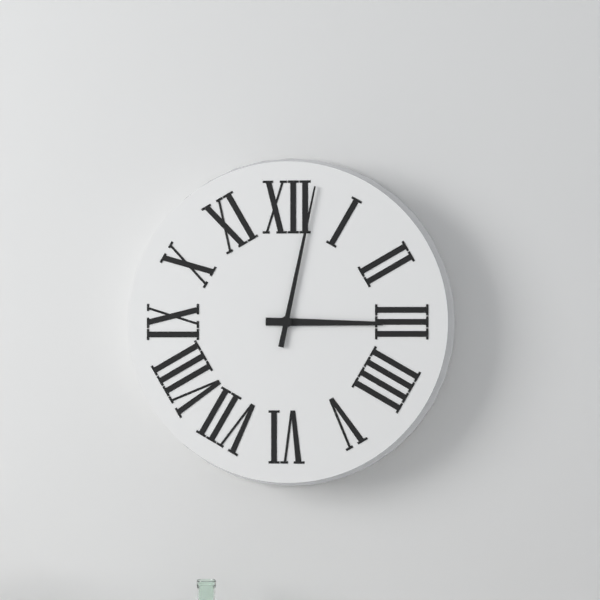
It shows 3 h 02 min
